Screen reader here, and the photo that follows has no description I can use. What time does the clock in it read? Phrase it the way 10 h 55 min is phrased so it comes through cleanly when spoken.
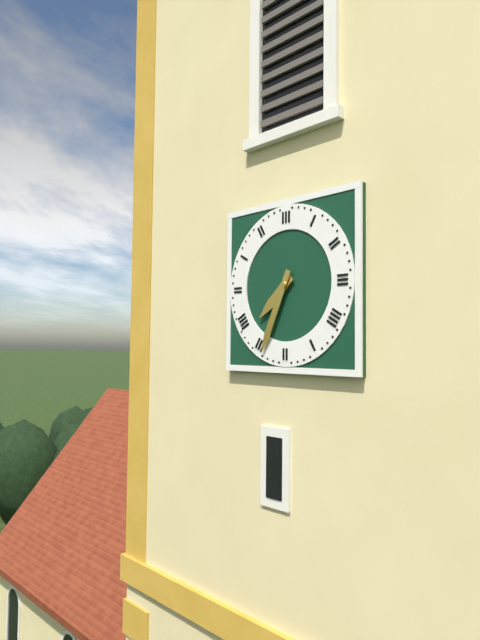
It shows 7 h 34 min
